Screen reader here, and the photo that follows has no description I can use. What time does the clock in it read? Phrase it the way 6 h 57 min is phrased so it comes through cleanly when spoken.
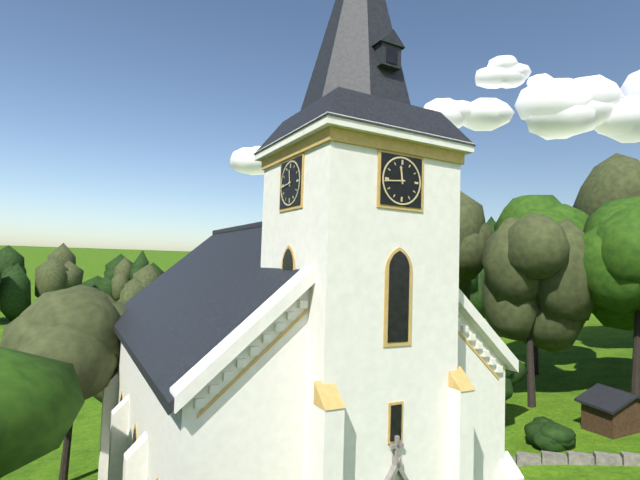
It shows 11 h 44 min
